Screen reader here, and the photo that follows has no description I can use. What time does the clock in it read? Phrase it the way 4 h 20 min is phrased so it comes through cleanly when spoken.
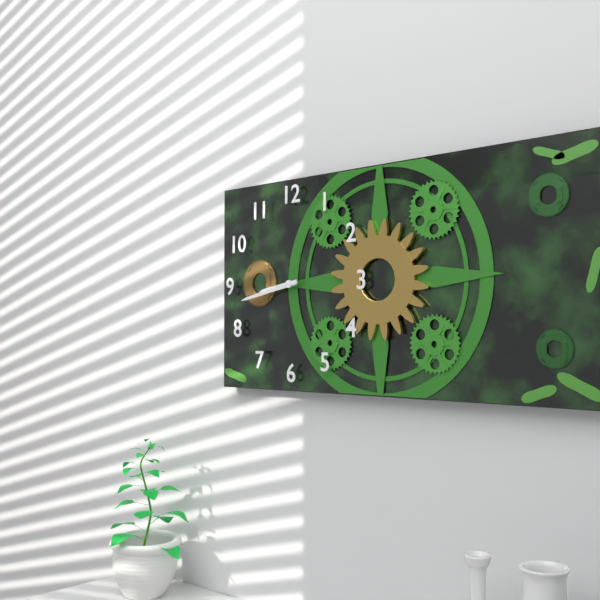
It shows 8 h 43 min
